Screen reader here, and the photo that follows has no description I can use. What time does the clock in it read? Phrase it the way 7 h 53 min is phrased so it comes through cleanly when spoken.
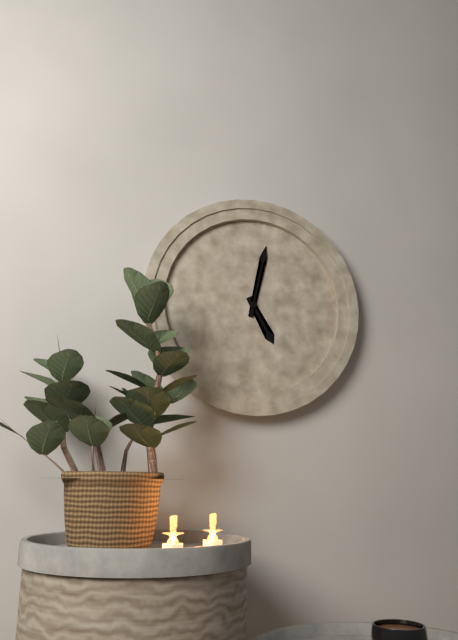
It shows 5 h 02 min
